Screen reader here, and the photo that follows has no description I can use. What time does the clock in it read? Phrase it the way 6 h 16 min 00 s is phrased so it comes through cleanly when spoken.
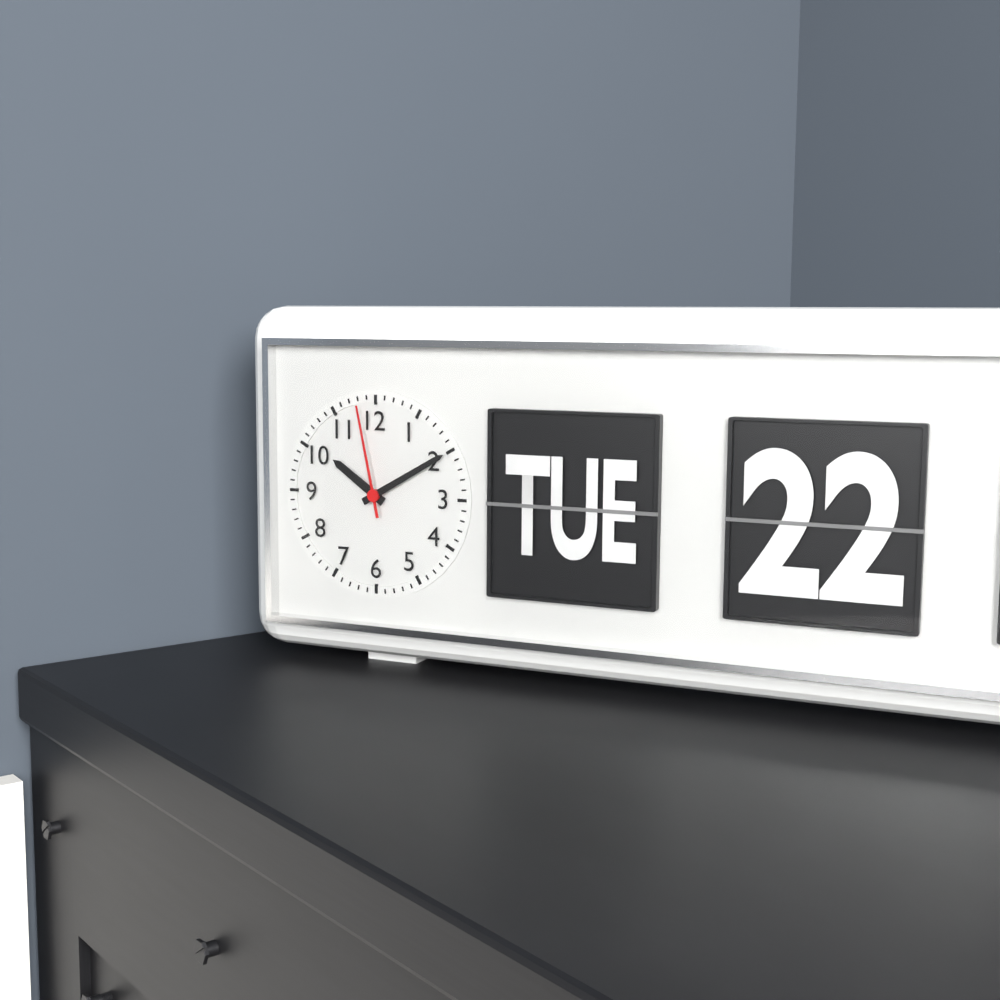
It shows 10 h 10 min 58 s
